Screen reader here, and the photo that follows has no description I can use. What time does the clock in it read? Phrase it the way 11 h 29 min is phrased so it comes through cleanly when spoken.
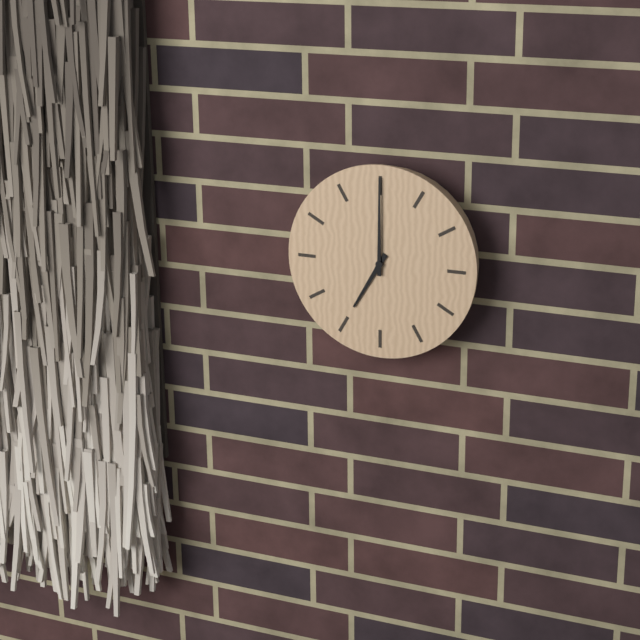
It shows 7 h 00 min
